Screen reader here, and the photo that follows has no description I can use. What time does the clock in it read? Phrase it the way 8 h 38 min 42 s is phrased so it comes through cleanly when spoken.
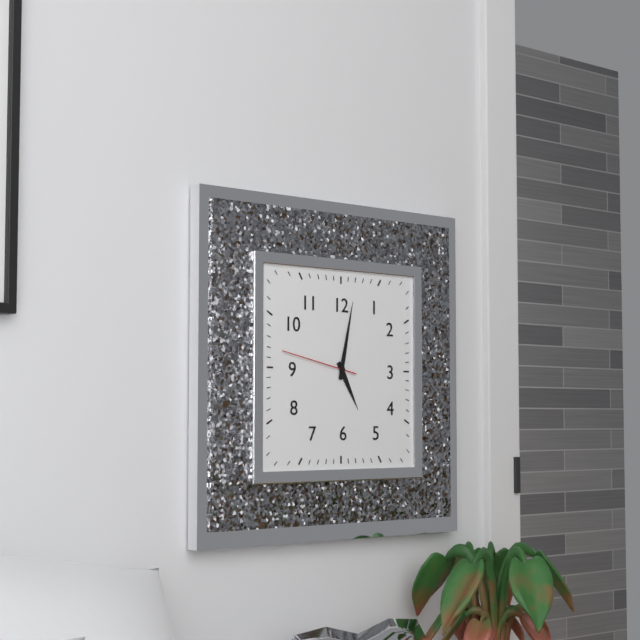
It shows 5 h 02 min 47 s
